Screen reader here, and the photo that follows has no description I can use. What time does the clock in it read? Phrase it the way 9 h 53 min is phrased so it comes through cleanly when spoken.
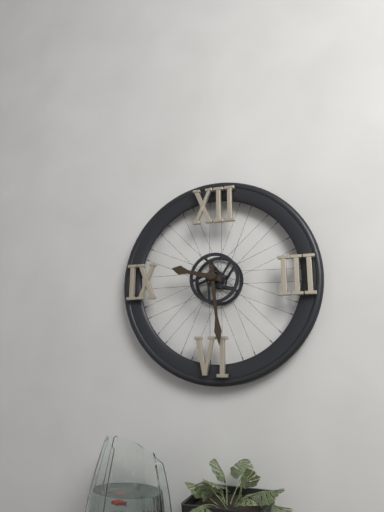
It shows 9 h 29 min
